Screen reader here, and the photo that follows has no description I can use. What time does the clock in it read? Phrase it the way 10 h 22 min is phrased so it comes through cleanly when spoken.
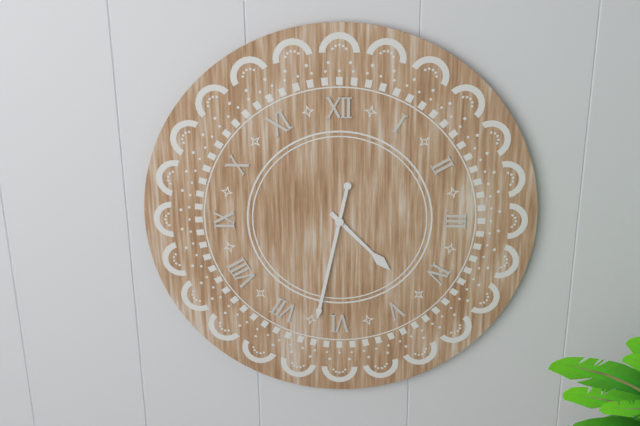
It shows 4 h 32 min
